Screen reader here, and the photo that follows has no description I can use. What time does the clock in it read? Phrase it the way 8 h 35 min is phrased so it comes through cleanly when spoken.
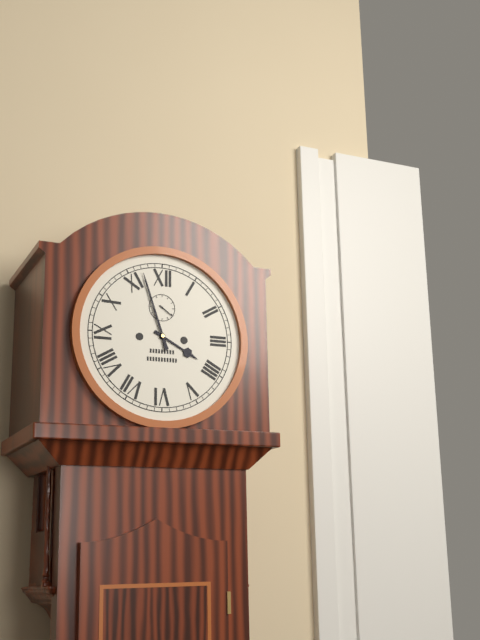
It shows 3 h 57 min
